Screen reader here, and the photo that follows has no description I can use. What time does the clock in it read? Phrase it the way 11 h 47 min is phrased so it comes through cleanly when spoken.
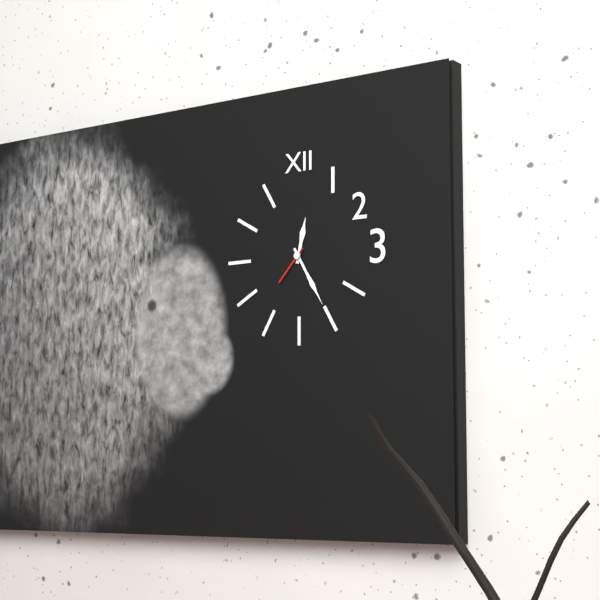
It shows 12 h 25 min
